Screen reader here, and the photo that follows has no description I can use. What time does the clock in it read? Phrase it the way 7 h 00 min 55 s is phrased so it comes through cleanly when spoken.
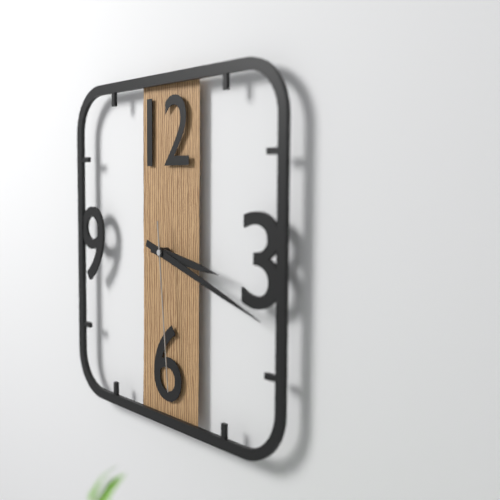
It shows 3 h 18 min 29 s
